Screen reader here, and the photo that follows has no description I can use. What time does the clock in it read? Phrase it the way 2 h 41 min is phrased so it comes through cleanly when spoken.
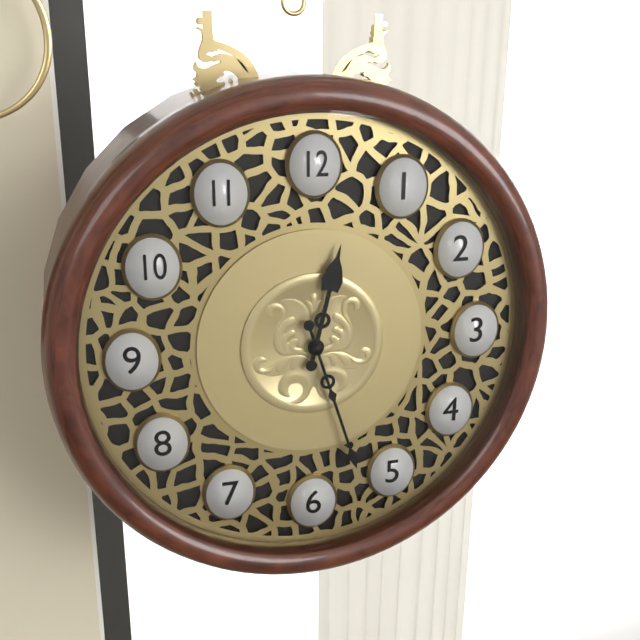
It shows 12 h 27 min
